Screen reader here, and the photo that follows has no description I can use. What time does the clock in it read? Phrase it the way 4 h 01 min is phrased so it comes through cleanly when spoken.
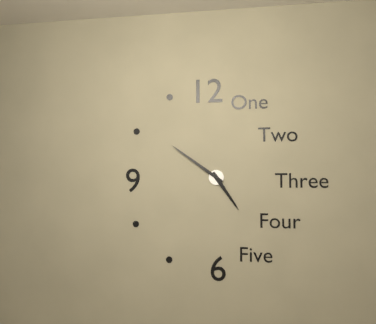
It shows 4 h 51 min
